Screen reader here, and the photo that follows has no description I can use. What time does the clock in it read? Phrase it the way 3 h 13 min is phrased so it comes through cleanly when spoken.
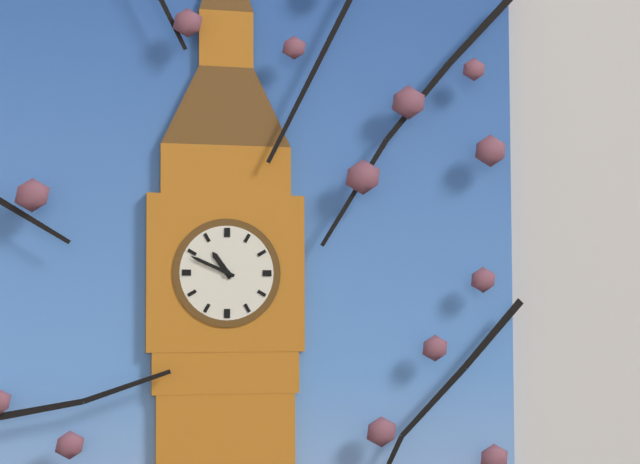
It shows 10 h 49 min
